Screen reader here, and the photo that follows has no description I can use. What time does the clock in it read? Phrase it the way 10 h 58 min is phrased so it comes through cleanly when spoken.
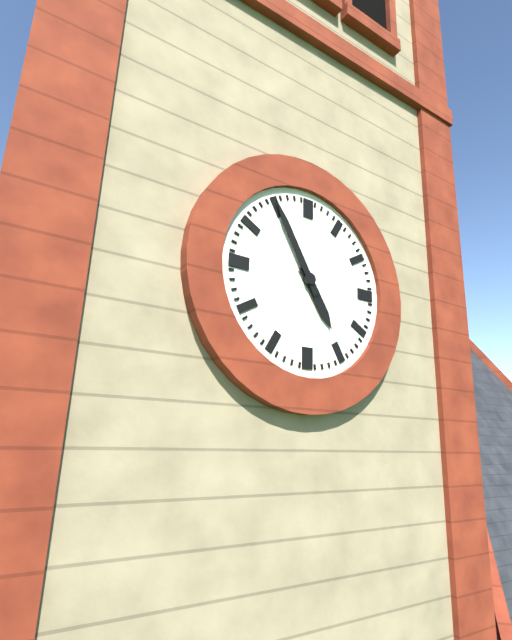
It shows 4 h 55 min
